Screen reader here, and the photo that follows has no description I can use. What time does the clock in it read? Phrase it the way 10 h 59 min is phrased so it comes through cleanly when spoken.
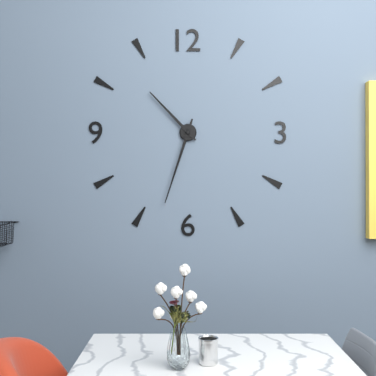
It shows 10 h 33 min
